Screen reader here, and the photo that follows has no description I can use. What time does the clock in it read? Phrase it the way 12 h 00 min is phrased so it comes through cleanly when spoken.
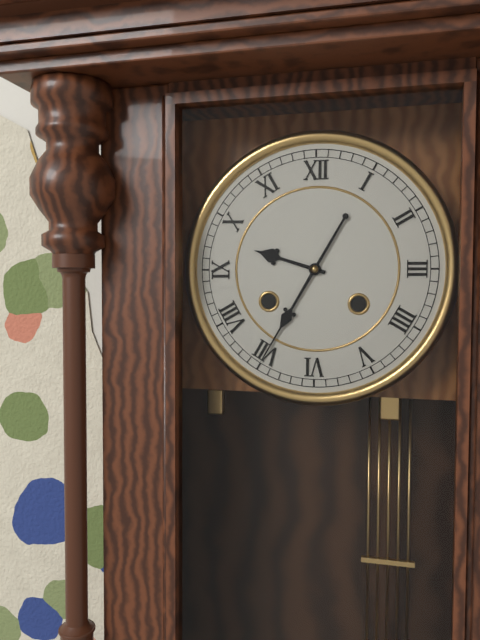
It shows 9 h 35 min
